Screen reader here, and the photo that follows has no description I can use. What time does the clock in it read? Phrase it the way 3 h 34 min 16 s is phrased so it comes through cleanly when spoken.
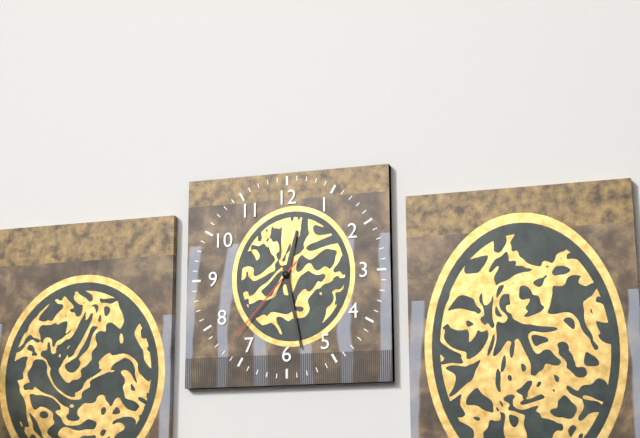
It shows 12 h 28 min 37 s
